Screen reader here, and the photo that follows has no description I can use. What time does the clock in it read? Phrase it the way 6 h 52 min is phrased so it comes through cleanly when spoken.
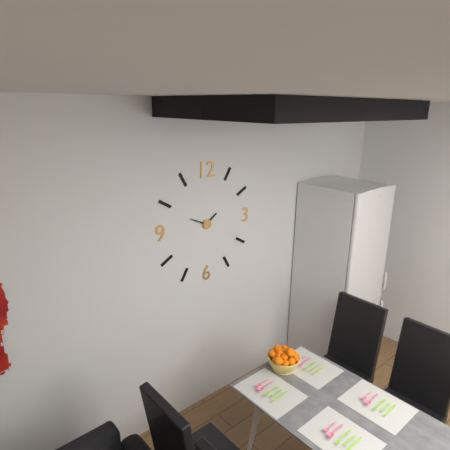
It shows 1 h 49 min
